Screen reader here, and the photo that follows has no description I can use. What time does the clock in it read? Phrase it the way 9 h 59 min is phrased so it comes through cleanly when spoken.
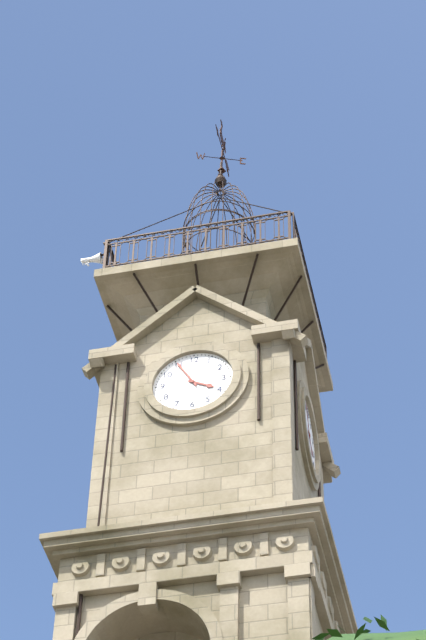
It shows 3 h 55 min
